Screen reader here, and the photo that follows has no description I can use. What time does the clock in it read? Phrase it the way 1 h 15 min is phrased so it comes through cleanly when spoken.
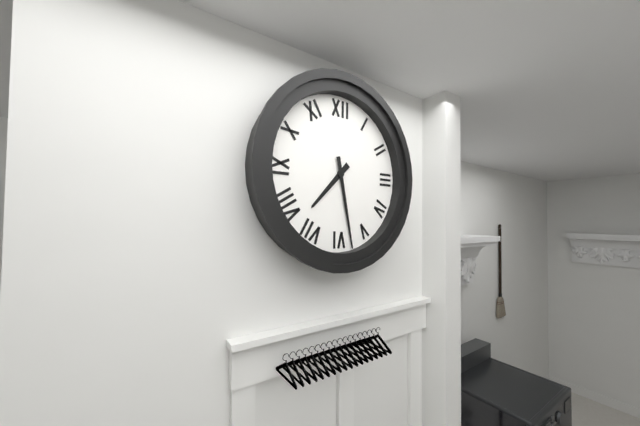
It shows 7 h 28 min
